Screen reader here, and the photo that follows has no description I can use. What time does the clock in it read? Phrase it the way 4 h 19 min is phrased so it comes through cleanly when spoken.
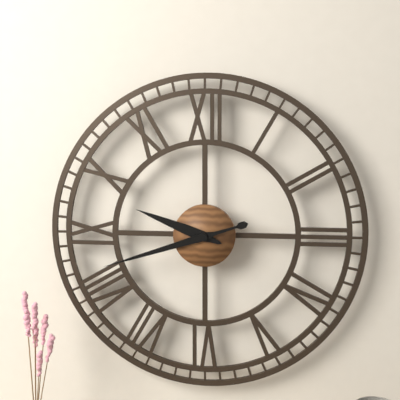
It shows 9 h 42 min
